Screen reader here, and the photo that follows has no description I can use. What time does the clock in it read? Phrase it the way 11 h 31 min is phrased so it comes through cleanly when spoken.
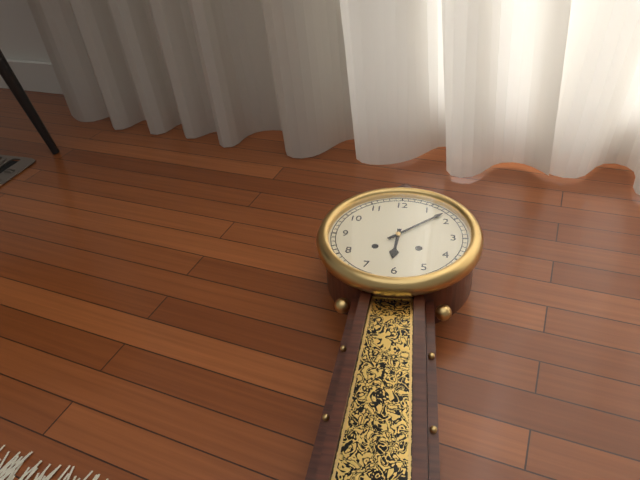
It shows 6 h 08 min
